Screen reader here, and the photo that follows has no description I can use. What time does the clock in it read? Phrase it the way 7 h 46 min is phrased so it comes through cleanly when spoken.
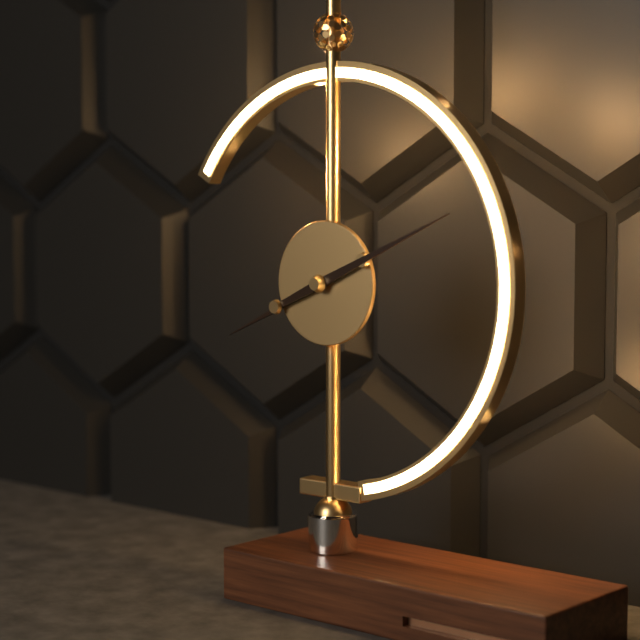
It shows 8 h 11 min
